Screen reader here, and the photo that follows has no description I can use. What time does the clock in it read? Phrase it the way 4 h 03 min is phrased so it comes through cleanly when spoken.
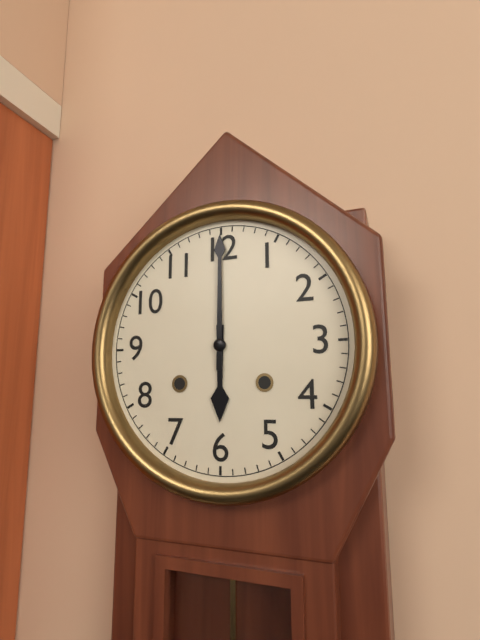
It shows 6 h 00 min
